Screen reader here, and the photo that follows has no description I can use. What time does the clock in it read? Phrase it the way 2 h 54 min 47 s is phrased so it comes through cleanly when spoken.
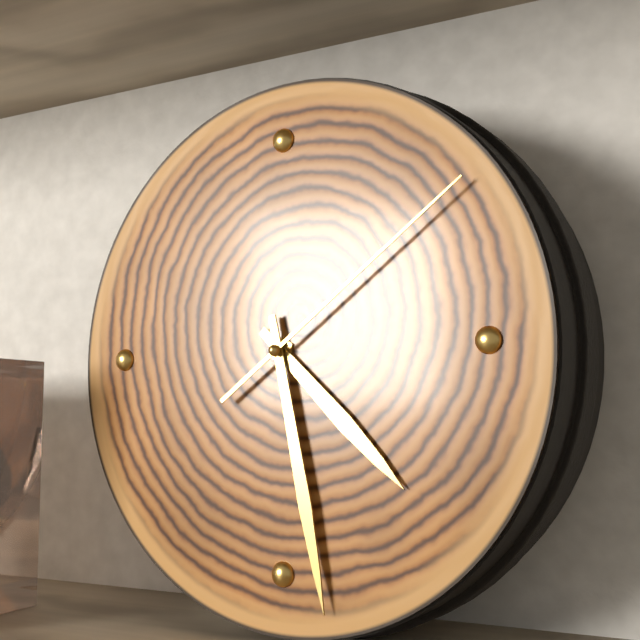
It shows 4 h 28 min 09 s
